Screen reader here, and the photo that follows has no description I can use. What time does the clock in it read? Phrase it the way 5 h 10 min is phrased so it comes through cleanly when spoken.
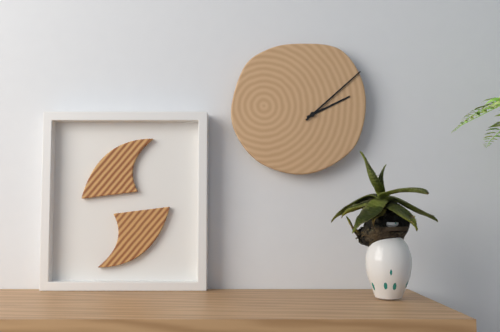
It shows 2 h 08 min
